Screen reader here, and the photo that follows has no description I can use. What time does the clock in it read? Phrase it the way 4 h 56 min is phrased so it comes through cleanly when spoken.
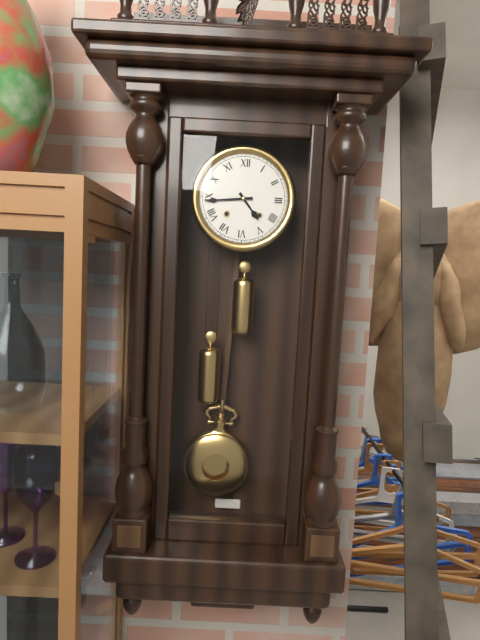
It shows 4 h 44 min
